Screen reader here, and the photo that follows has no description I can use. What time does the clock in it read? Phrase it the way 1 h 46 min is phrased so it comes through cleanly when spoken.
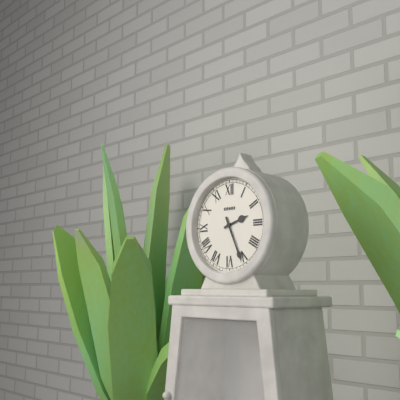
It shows 2 h 26 min
